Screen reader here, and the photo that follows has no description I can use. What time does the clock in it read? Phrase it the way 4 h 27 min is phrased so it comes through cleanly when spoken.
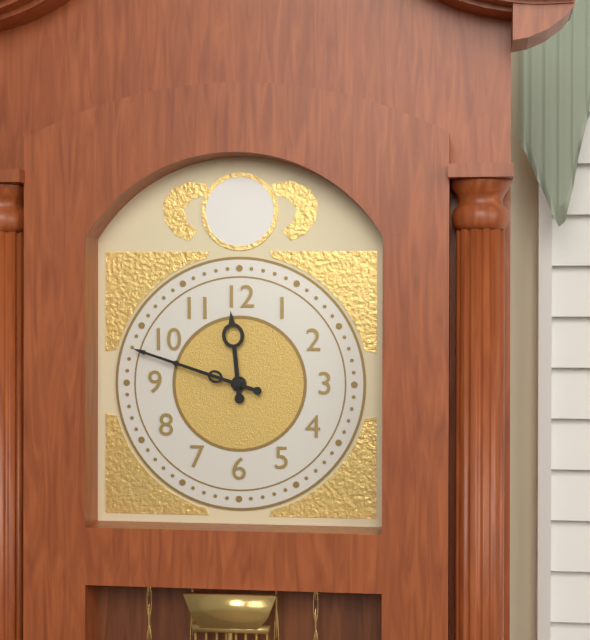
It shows 11 h 48 min
